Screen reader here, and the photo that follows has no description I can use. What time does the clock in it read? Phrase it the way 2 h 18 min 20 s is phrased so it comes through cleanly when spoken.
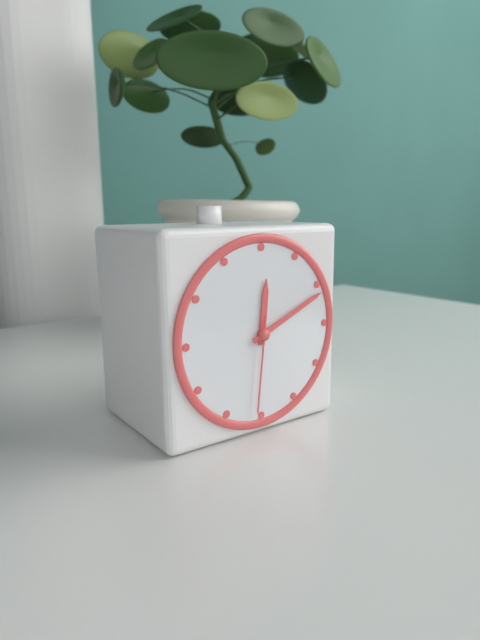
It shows 12 h 11 min 31 s
